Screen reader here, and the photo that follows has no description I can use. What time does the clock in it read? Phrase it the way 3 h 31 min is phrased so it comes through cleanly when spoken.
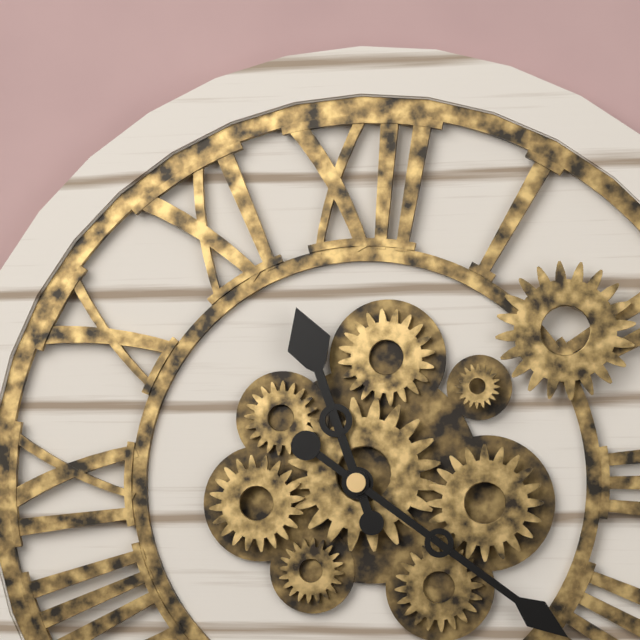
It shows 11 h 21 min
